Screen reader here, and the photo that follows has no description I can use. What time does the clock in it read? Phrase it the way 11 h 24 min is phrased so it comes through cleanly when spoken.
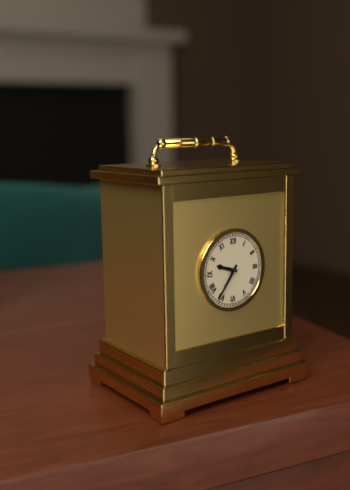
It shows 9 h 36 min
